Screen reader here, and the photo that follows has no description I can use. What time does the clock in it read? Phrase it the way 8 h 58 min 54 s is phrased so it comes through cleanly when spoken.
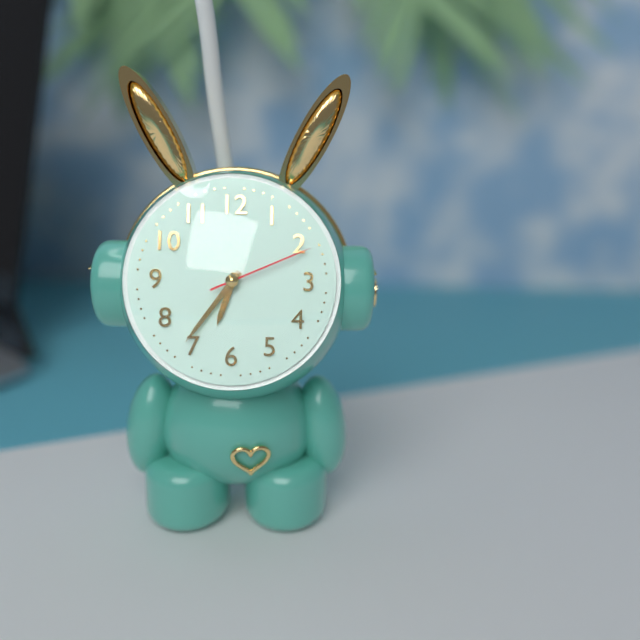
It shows 6 h 36 min 11 s
